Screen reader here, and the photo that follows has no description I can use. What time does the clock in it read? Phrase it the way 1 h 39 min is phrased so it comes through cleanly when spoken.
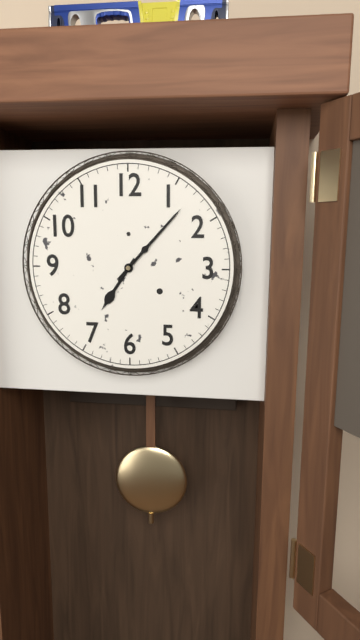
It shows 7 h 07 min
